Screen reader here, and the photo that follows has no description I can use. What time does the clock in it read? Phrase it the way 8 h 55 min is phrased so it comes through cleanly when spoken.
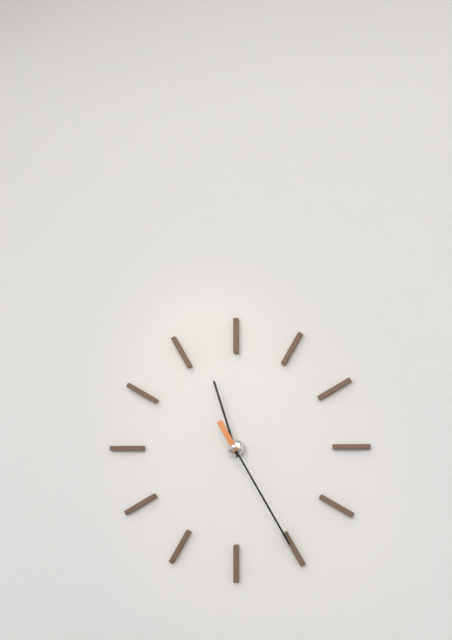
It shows 11 h 25 min
